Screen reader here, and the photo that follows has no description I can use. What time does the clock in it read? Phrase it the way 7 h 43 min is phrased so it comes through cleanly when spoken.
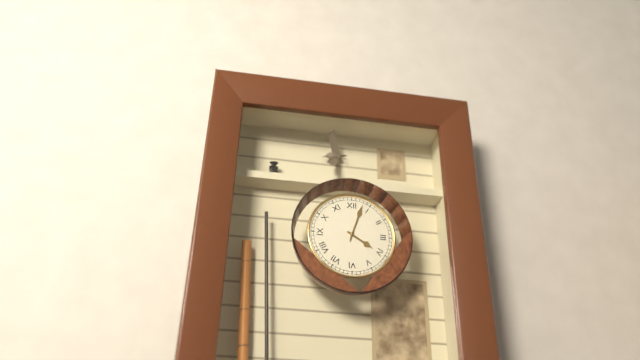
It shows 4 h 03 min
